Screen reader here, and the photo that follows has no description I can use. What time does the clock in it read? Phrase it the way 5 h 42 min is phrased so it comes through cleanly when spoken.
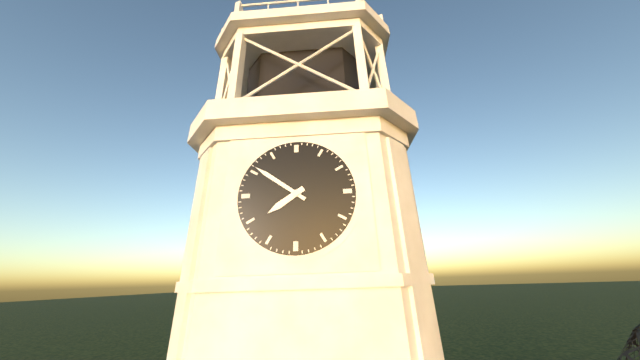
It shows 7 h 51 min
